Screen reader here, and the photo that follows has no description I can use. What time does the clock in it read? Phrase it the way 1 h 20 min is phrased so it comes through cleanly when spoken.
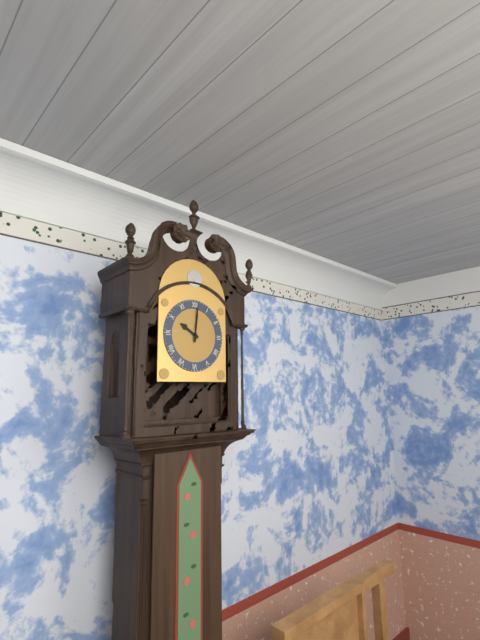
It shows 10 h 01 min
